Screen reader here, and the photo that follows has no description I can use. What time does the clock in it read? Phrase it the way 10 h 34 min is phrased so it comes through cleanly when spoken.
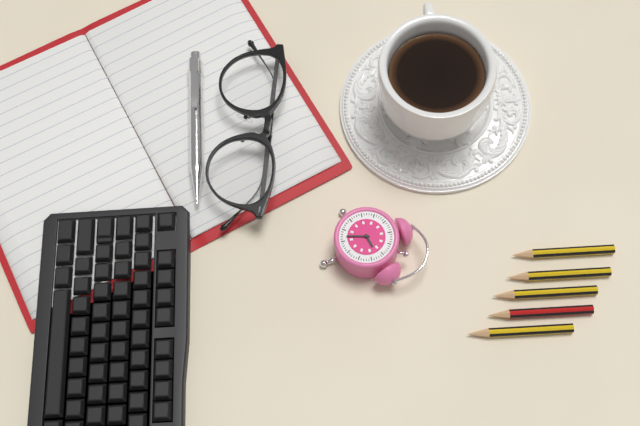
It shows 1 h 27 min
